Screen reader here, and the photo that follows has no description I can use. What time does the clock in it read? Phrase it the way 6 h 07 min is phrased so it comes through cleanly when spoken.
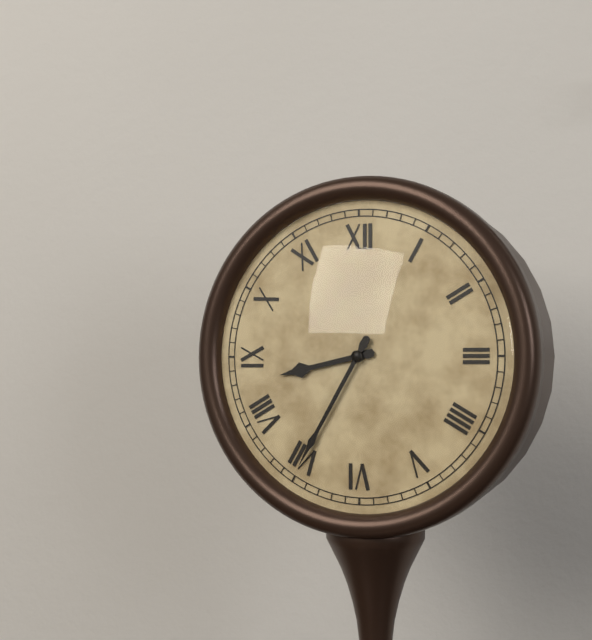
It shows 8 h 35 min
